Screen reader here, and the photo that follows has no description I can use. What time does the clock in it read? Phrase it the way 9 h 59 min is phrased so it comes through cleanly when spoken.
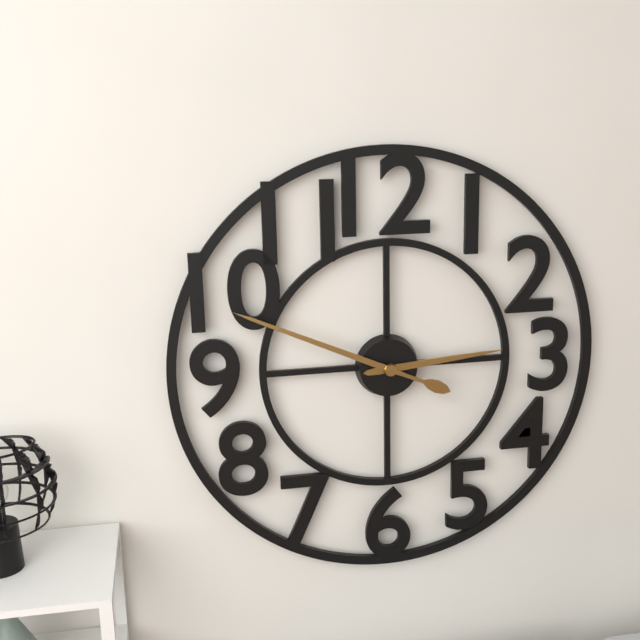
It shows 2 h 49 min
